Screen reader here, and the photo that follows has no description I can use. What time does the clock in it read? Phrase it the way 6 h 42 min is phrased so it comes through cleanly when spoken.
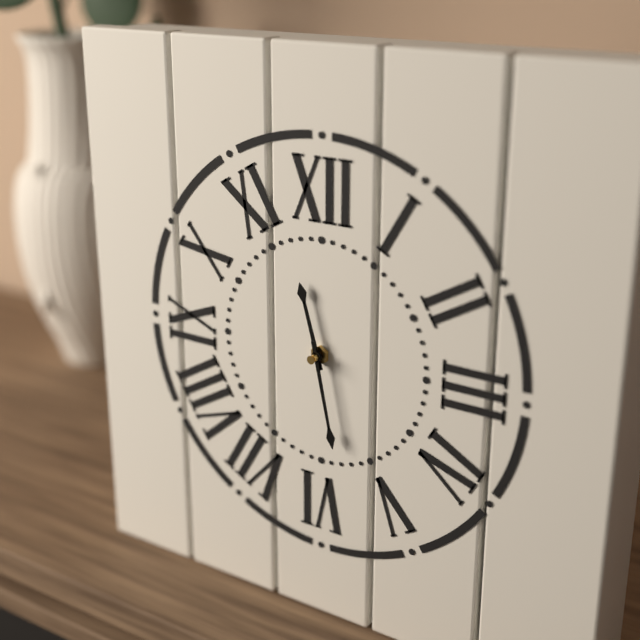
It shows 11 h 28 min
